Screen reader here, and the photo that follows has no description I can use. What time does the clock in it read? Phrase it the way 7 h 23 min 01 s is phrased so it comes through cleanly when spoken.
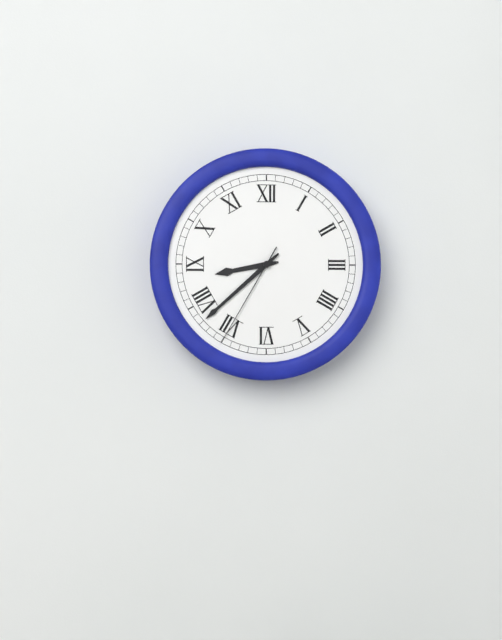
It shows 8 h 38 min 35 s
